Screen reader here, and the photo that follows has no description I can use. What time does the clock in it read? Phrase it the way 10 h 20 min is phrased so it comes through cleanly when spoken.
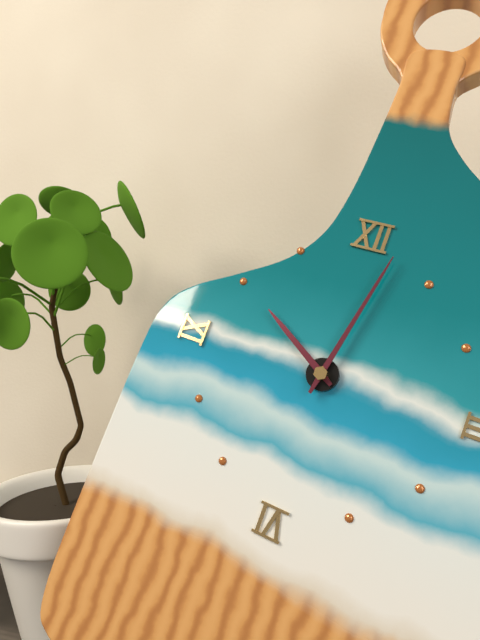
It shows 10 h 02 min
